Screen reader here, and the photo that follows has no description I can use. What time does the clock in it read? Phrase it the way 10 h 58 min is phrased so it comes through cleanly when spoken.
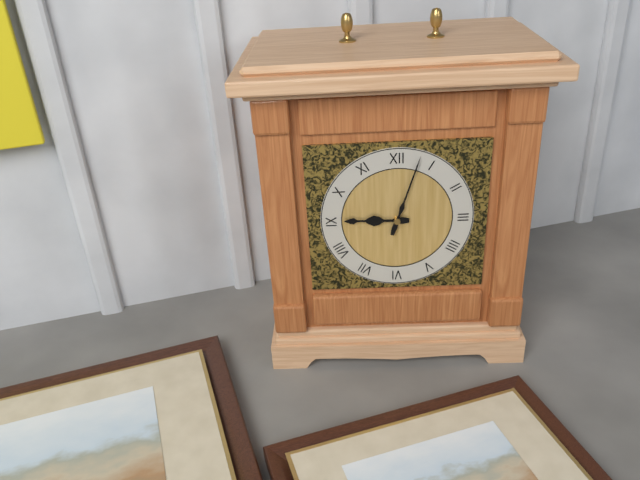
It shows 9 h 03 min
